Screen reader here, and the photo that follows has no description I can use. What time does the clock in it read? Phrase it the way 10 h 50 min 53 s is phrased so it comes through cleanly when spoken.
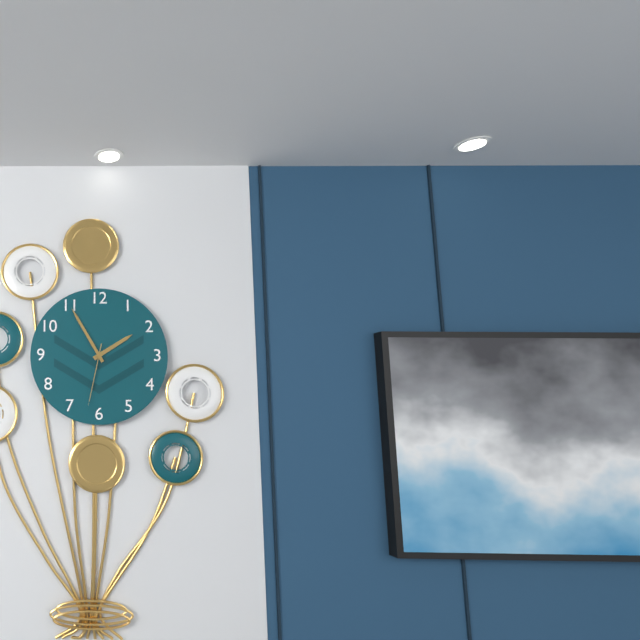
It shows 1 h 55 min 32 s
